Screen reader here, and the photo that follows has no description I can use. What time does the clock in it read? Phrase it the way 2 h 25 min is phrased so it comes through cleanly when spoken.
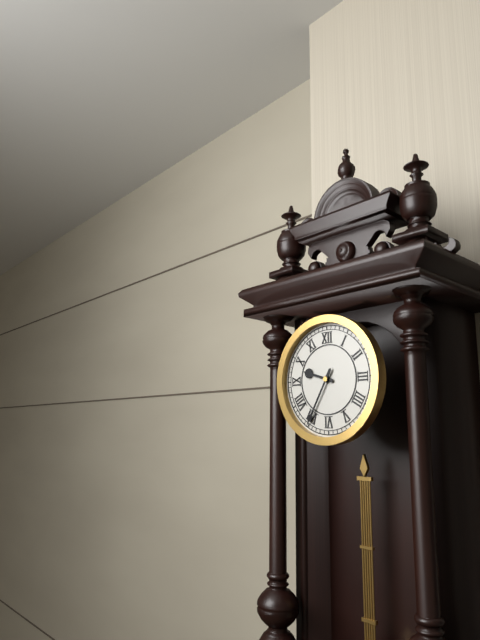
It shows 9 h 35 min
